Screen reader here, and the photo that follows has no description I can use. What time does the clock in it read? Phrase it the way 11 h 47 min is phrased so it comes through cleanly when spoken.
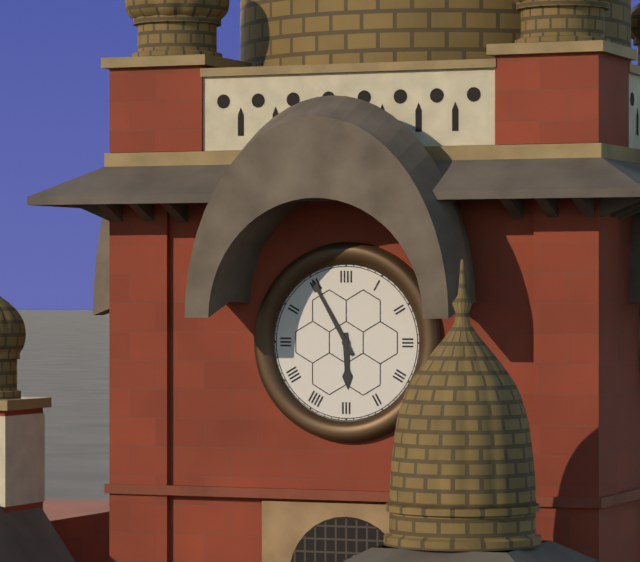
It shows 5 h 55 min
